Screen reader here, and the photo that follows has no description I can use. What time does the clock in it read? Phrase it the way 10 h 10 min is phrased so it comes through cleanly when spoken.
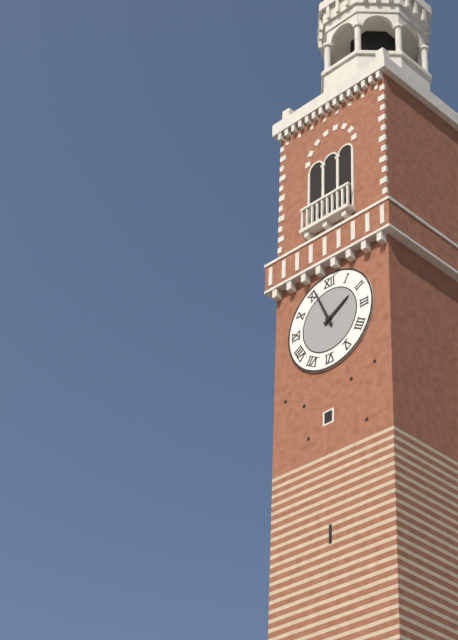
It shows 1 h 56 min
